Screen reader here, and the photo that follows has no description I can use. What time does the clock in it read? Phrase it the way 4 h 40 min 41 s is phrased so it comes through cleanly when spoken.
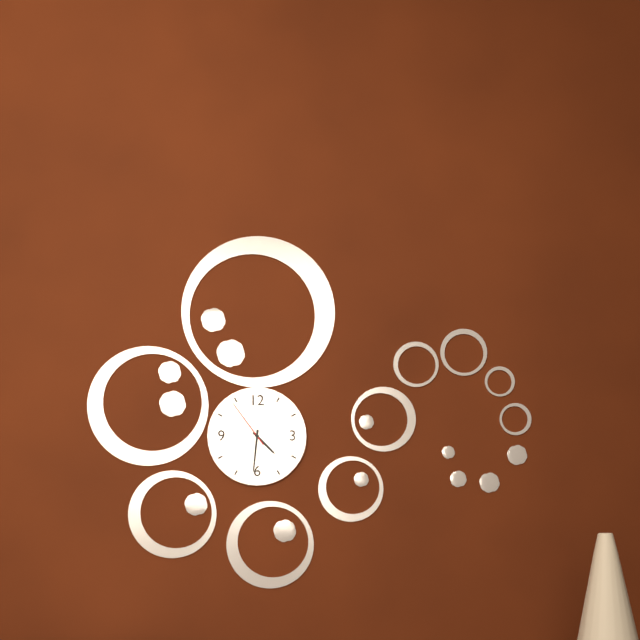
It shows 4 h 31 min 54 s
